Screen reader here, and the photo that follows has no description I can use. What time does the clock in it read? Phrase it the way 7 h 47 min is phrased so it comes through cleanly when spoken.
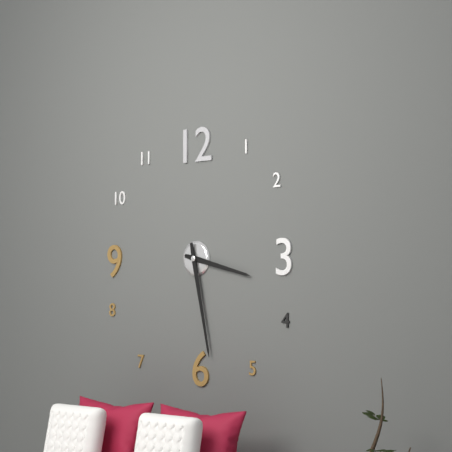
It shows 3 h 28 min
